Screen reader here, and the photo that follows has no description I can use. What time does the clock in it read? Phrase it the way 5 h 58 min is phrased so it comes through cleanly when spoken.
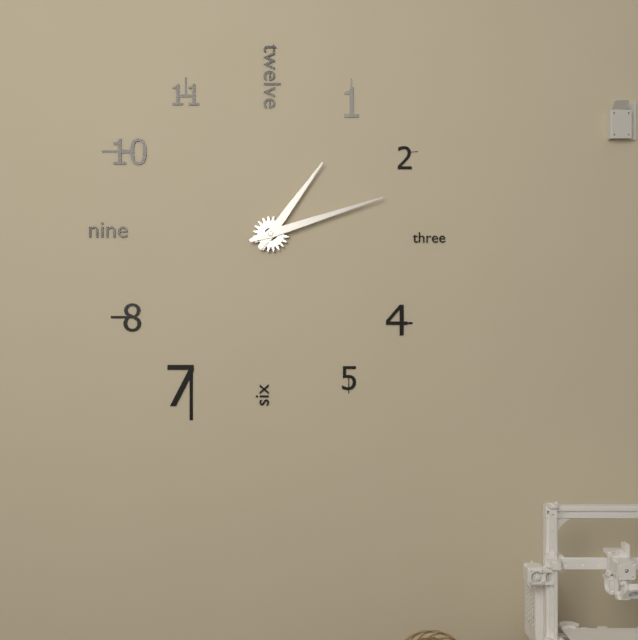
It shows 1 h 12 min
